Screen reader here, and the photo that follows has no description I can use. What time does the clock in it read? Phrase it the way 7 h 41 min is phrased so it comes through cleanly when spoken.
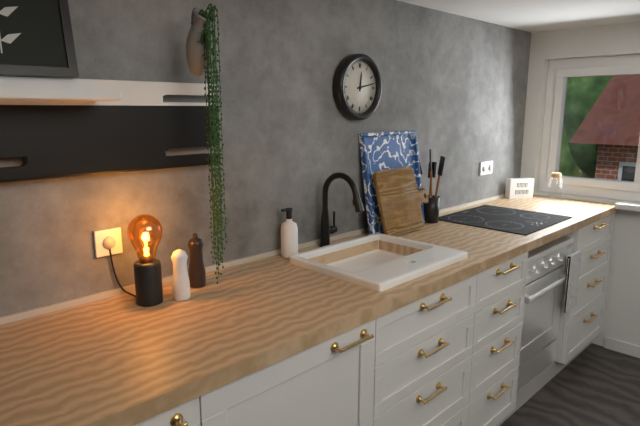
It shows 12 h 13 min
